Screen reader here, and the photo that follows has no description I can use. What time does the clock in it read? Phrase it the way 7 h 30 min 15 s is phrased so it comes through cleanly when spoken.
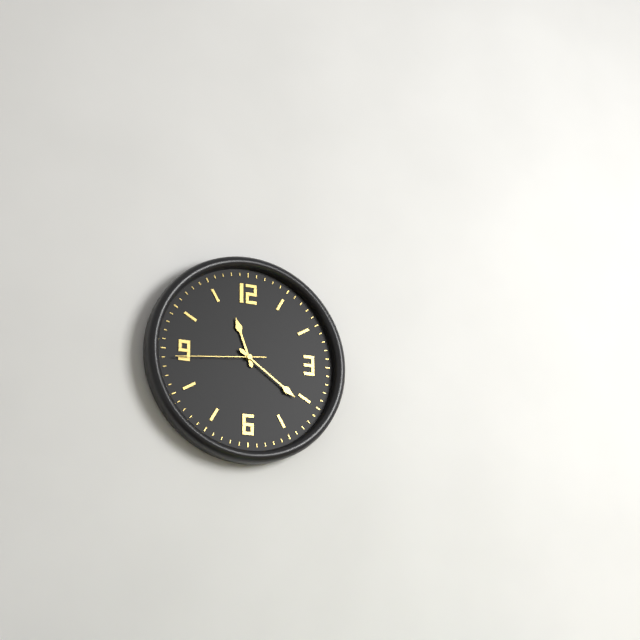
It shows 11 h 21 min 44 s
